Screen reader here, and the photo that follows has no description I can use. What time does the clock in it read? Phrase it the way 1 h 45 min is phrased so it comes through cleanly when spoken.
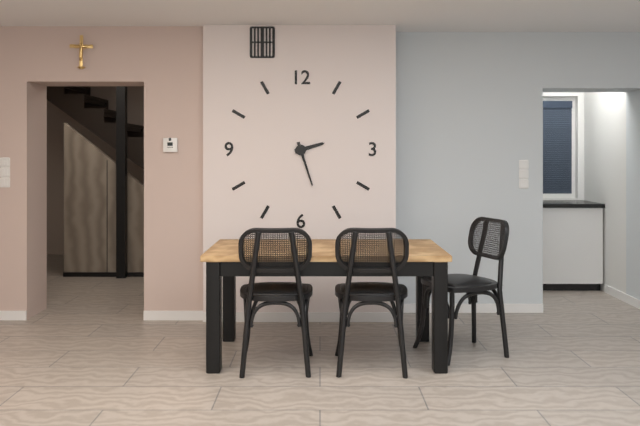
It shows 2 h 27 min
